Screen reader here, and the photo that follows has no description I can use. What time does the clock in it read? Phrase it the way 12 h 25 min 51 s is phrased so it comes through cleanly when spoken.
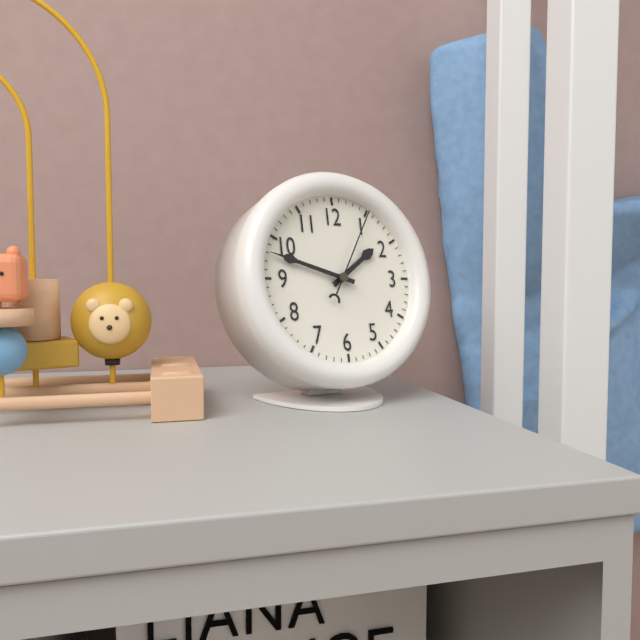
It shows 1 h 48 min 05 s
